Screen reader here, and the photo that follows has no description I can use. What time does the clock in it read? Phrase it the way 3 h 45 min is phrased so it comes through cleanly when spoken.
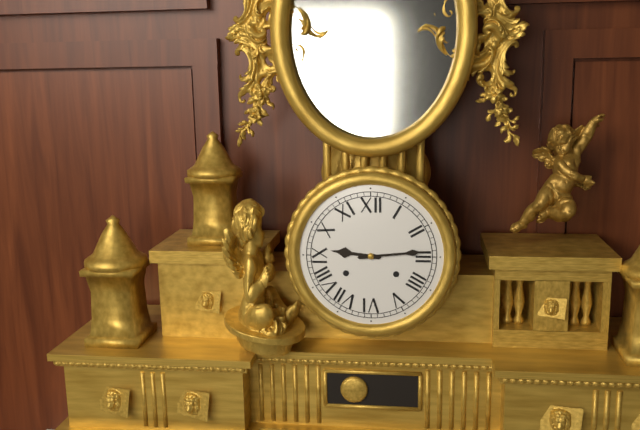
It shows 9 h 14 min
